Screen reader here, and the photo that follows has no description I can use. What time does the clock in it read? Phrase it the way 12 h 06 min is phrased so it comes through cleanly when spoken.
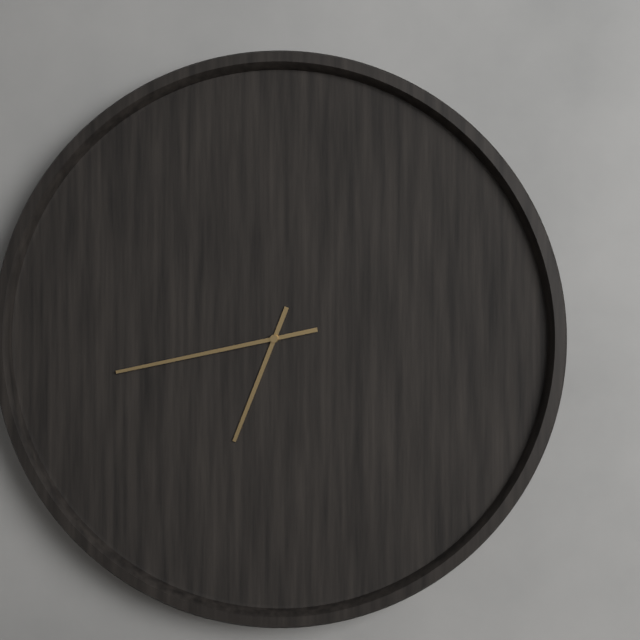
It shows 6 h 43 min
